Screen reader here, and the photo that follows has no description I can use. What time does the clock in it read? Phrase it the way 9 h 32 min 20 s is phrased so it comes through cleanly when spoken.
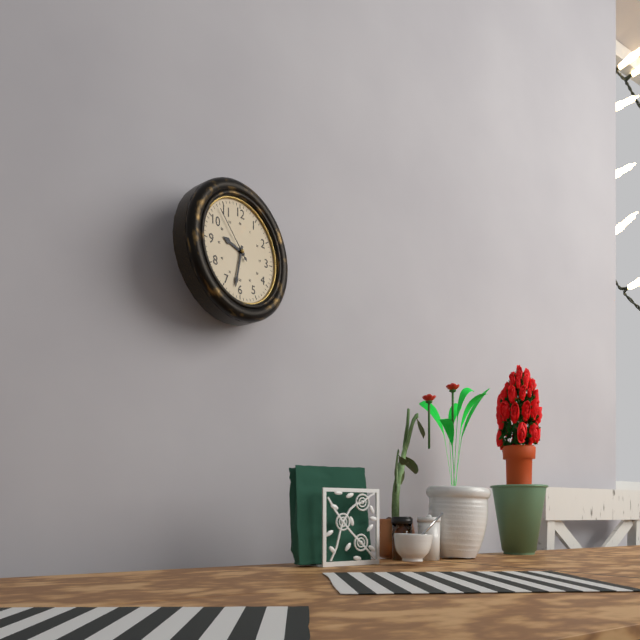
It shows 9 h 32 min 53 s
